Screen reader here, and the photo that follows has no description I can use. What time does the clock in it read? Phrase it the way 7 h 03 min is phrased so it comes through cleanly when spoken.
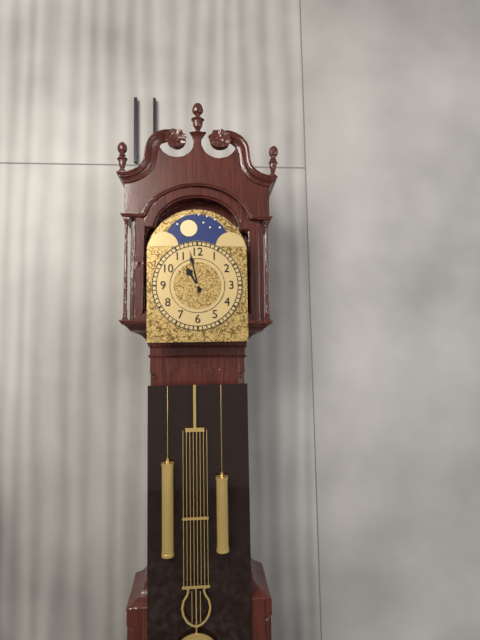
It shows 10 h 58 min
